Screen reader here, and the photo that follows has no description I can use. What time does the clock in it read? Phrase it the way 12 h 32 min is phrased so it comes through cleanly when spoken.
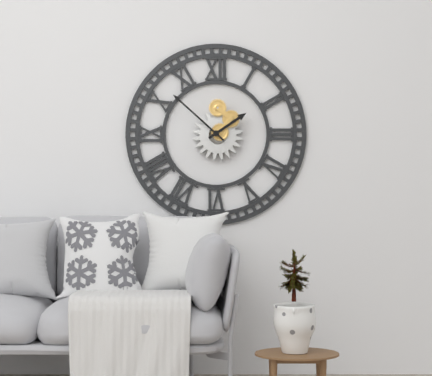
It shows 1 h 52 min
